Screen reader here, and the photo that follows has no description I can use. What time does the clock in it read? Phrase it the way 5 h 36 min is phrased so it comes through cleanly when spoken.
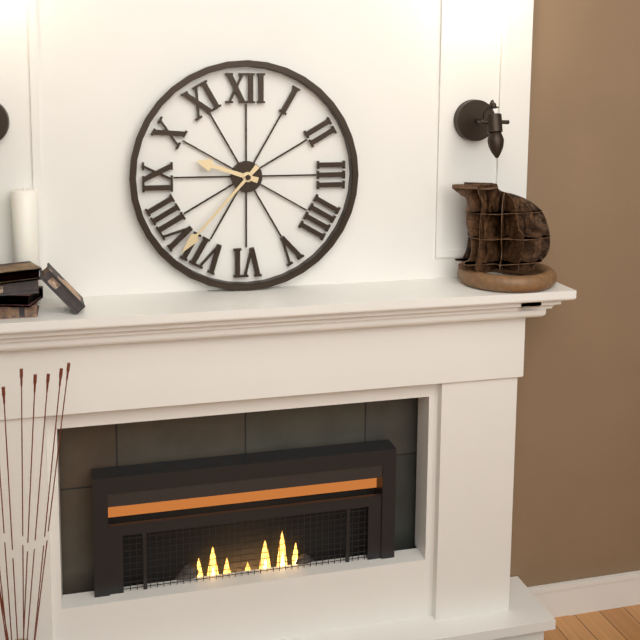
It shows 9 h 37 min
